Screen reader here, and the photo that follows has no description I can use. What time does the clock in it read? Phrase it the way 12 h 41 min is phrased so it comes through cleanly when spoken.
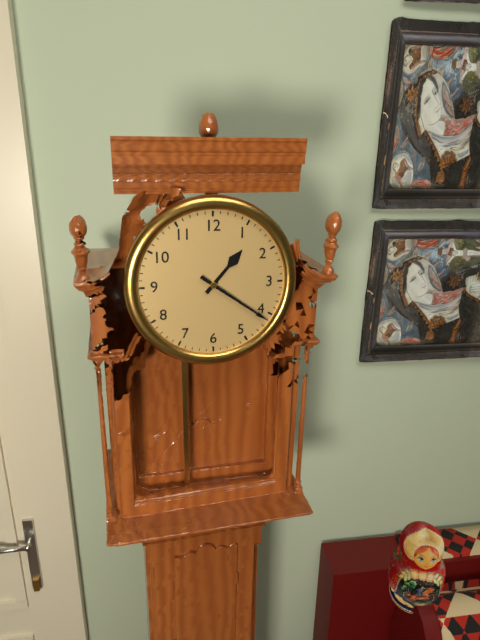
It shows 1 h 21 min
